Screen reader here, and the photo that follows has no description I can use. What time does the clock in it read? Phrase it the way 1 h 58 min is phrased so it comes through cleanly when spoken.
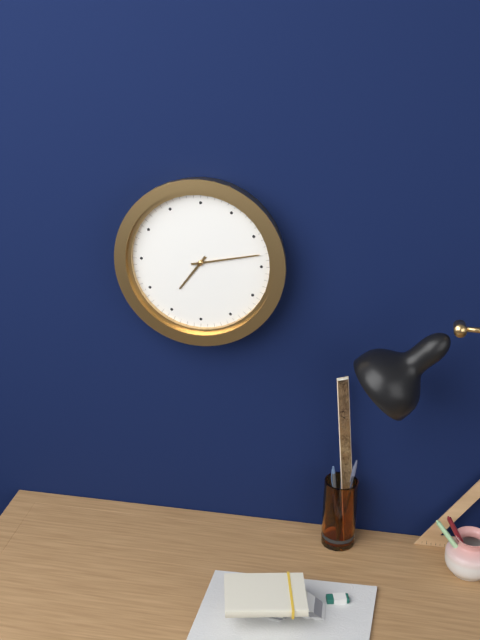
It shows 7 h 13 min
